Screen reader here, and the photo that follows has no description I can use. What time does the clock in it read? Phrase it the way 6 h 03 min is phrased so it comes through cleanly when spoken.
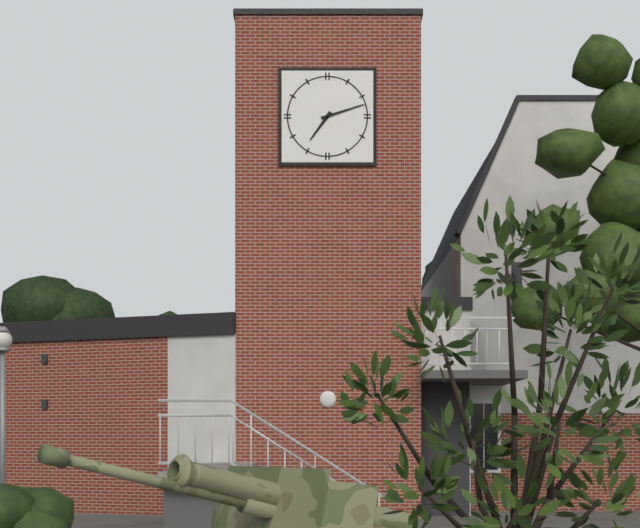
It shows 7 h 12 min
